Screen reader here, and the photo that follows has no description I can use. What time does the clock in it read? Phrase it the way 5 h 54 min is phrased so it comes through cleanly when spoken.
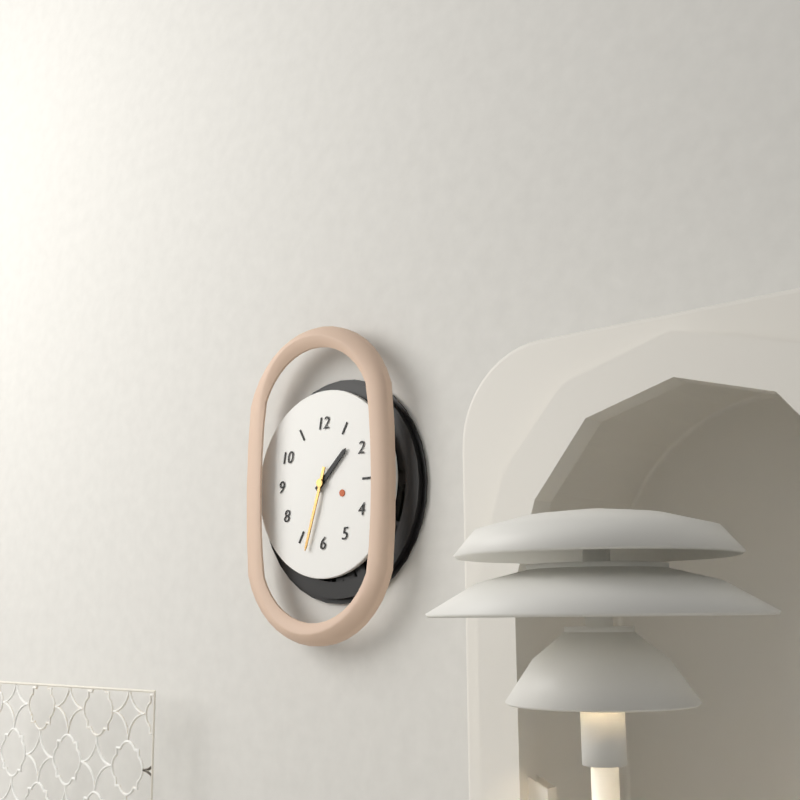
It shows 1 h 33 min
